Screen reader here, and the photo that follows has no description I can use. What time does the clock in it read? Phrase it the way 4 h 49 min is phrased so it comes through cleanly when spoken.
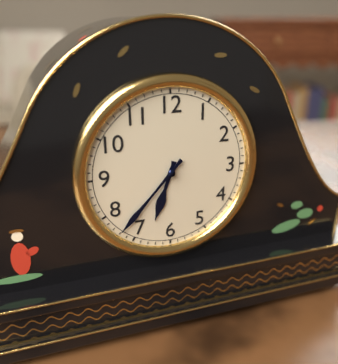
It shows 6 h 37 min
